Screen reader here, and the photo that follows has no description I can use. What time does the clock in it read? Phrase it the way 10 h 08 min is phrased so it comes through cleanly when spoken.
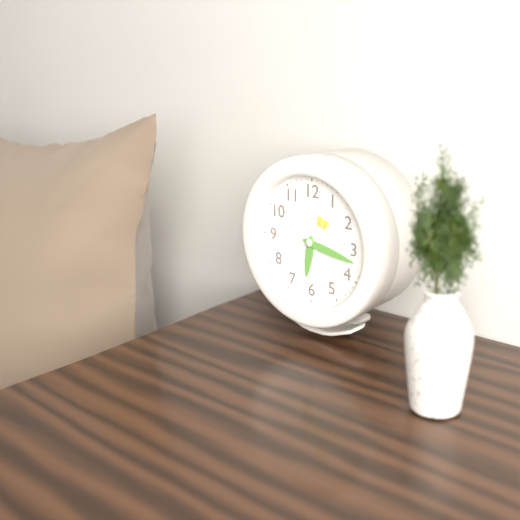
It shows 6 h 17 min
